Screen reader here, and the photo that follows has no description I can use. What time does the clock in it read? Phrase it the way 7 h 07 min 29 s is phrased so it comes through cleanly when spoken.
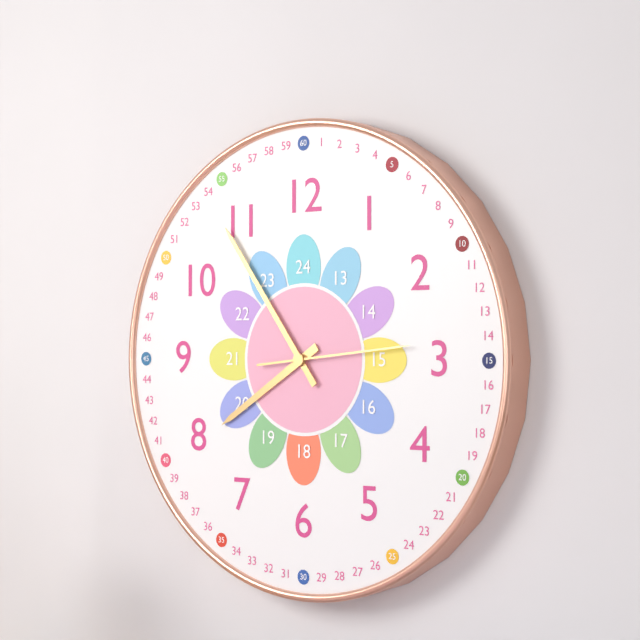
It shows 7 h 54 min 14 s
